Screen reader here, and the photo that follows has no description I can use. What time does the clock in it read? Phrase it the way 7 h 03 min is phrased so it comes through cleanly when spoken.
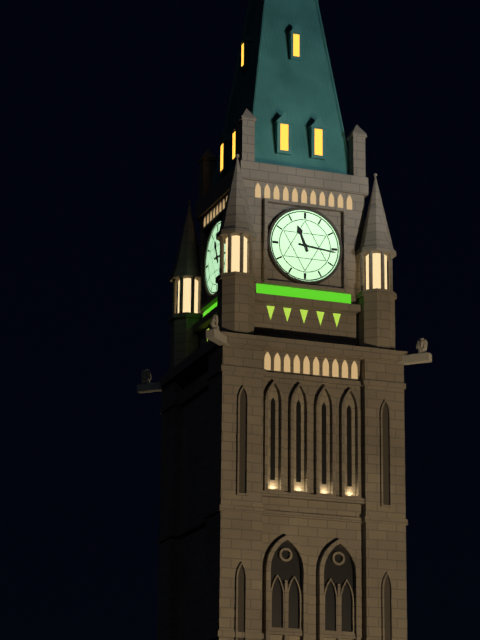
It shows 11 h 16 min
